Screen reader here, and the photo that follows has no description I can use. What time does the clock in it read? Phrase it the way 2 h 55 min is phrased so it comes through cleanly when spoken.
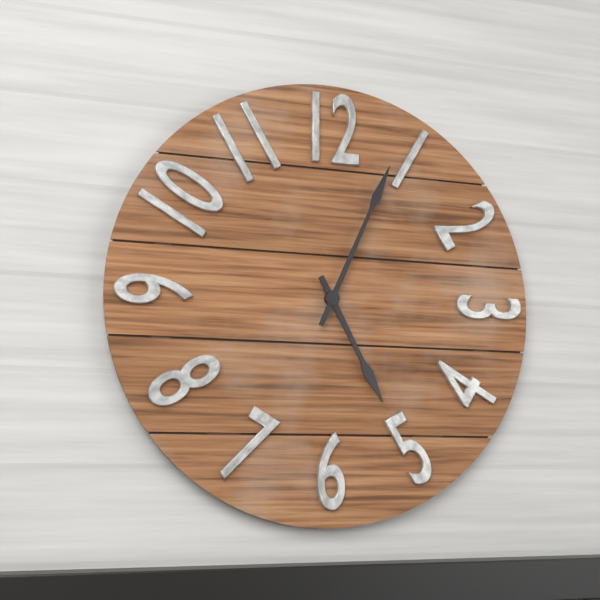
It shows 5 h 04 min
